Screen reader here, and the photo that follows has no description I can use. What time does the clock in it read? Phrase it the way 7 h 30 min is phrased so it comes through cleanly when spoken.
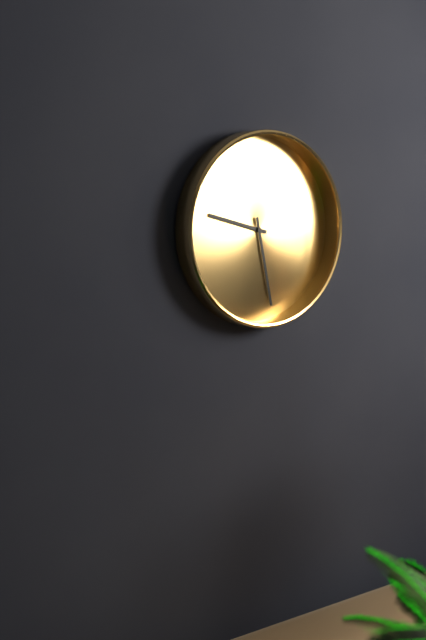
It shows 9 h 28 min
